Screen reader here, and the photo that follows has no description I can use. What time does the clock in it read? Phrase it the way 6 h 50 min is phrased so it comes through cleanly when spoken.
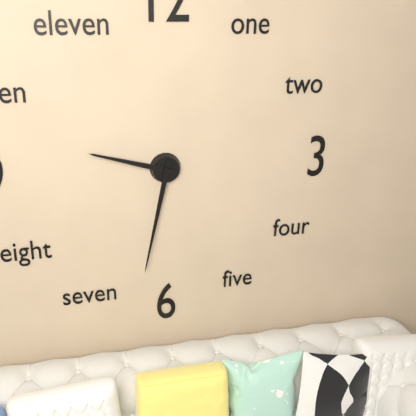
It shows 9 h 32 min
